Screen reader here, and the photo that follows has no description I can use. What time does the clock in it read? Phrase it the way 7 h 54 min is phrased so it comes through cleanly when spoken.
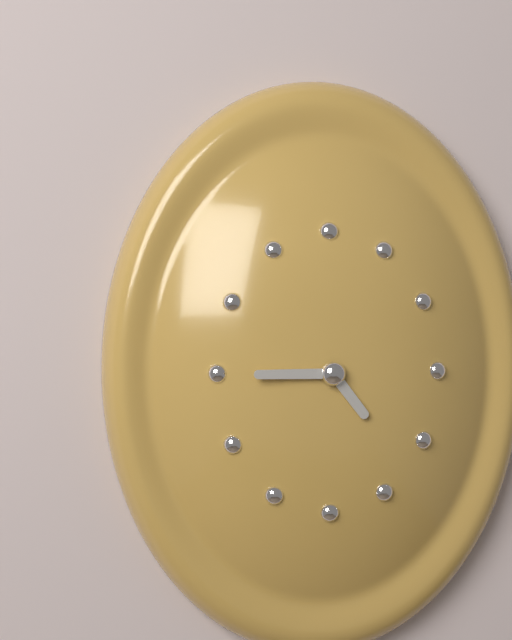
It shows 4 h 45 min
